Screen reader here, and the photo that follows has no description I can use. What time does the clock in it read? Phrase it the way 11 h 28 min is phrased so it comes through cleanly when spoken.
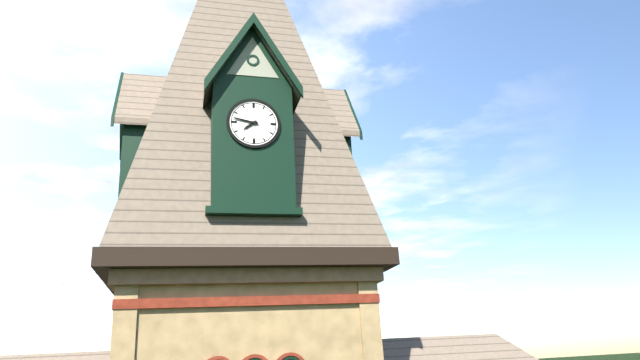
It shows 7 h 47 min
